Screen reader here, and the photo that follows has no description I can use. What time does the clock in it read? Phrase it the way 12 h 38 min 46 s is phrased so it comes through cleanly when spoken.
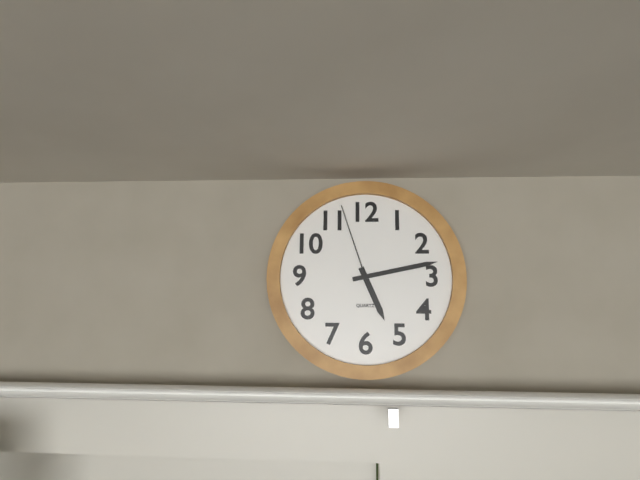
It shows 5 h 13 min 57 s
